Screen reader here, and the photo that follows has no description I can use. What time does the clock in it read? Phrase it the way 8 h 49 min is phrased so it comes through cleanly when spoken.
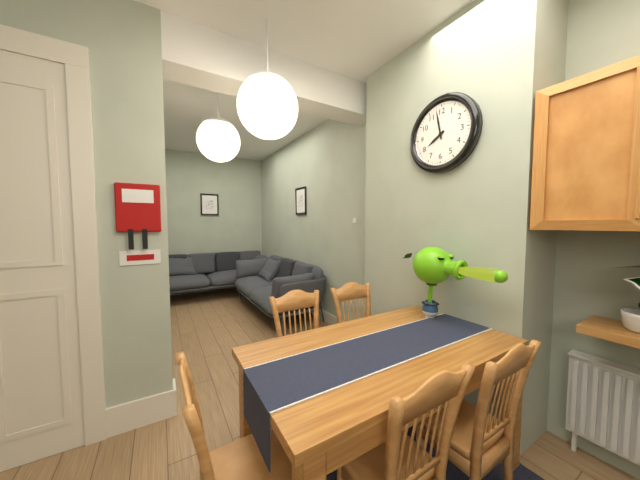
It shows 7 h 58 min
